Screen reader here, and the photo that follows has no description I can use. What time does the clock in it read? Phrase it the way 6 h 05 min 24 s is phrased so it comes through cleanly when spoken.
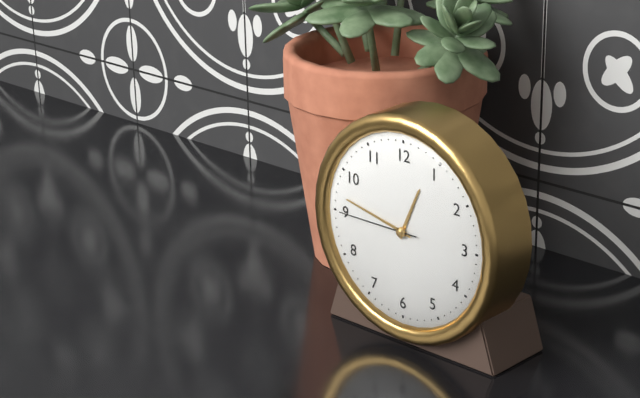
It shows 12 h 47 min 45 s
